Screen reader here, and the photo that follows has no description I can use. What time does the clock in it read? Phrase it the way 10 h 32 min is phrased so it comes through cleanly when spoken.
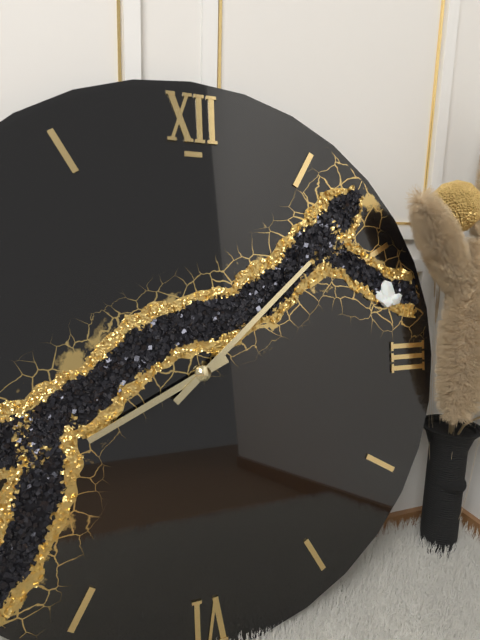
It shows 8 h 08 min
